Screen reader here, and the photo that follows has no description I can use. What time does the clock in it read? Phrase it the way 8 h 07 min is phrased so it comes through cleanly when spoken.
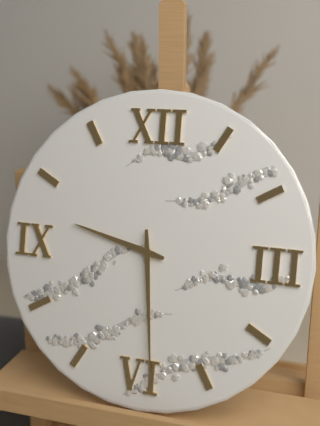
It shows 9 h 29 min
